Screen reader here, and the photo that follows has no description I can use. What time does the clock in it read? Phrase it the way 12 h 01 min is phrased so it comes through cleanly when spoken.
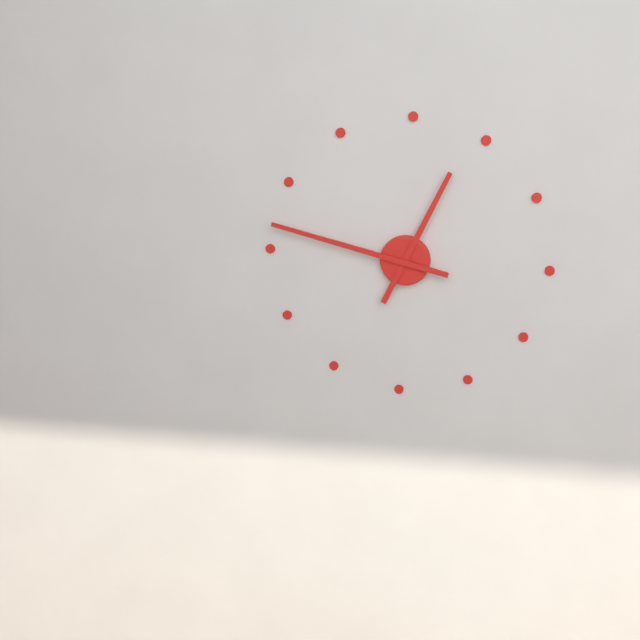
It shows 12 h 47 min
